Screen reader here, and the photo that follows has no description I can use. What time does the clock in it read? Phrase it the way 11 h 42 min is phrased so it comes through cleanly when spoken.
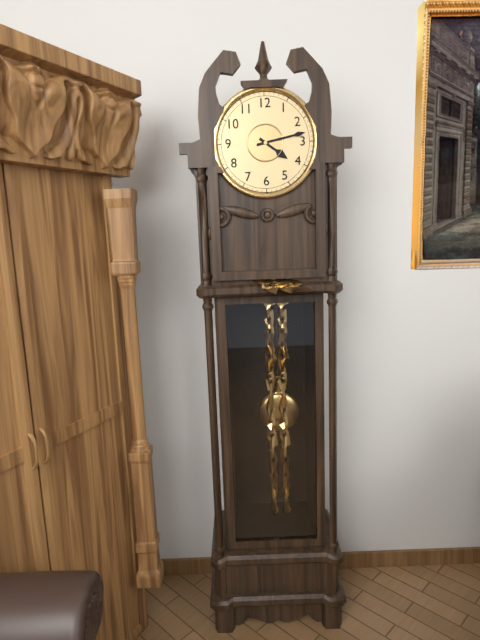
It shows 4 h 13 min
